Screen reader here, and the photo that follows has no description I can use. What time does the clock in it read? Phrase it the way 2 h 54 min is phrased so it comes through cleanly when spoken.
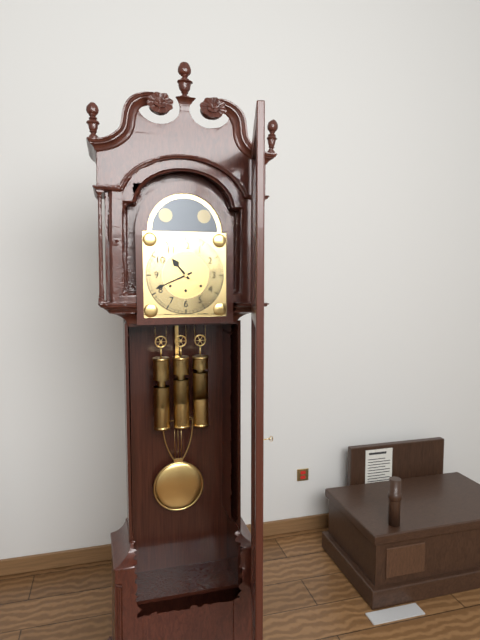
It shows 10 h 41 min
